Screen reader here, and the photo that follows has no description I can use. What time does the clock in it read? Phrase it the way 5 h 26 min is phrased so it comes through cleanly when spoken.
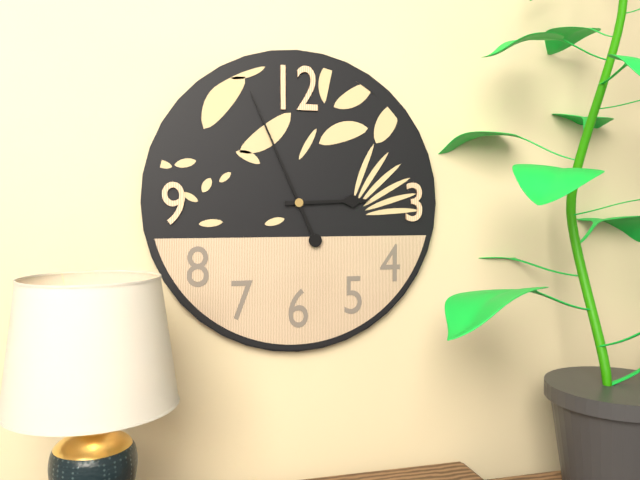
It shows 2 h 56 min
